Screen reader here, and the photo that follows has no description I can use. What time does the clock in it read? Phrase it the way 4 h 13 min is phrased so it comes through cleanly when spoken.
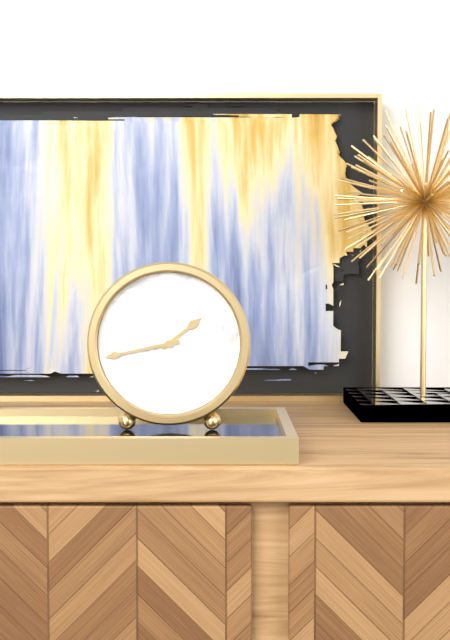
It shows 1 h 43 min
